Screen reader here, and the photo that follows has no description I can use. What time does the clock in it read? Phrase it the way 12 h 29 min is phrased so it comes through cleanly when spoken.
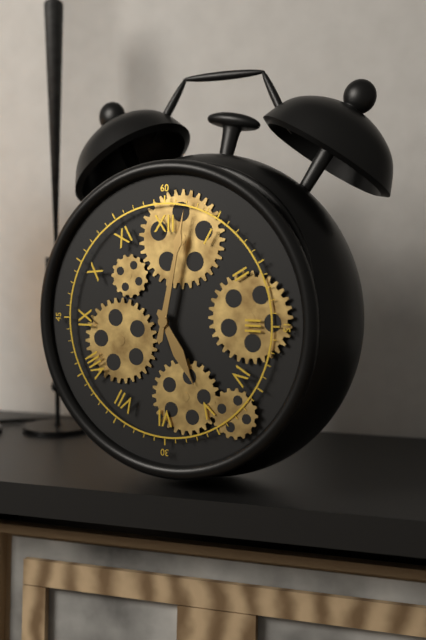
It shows 5 h 02 min
